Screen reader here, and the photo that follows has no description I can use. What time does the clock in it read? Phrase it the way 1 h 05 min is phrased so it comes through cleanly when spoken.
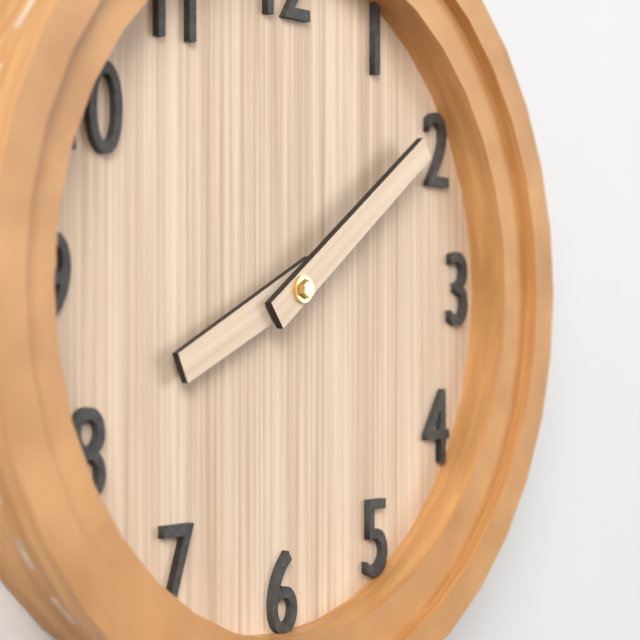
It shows 8 h 09 min
